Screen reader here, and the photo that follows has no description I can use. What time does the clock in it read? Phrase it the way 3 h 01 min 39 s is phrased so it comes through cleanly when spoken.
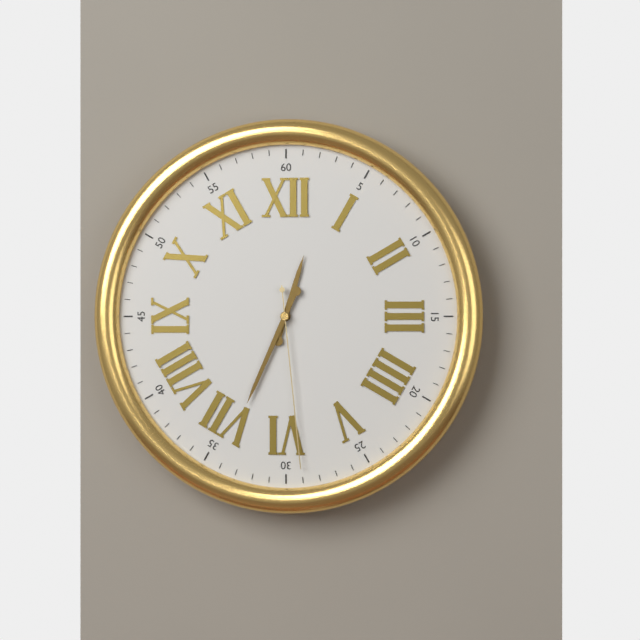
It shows 12 h 34 min 29 s
